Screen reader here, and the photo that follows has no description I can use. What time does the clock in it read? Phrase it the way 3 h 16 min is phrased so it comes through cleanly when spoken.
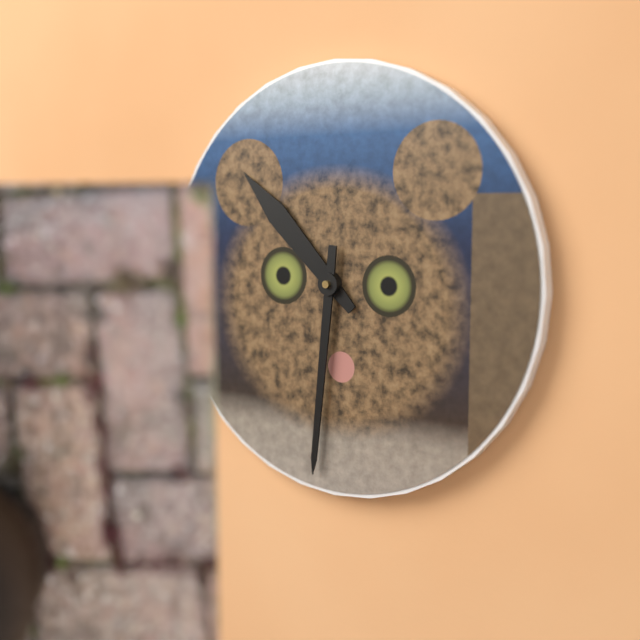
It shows 10 h 31 min
